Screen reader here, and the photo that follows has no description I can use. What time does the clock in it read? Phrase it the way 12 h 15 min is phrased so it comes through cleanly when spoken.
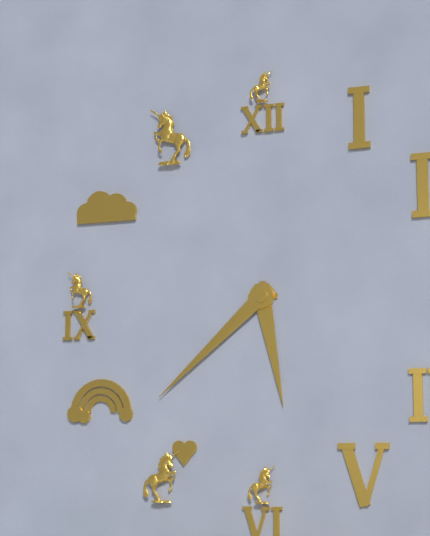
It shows 5 h 38 min
